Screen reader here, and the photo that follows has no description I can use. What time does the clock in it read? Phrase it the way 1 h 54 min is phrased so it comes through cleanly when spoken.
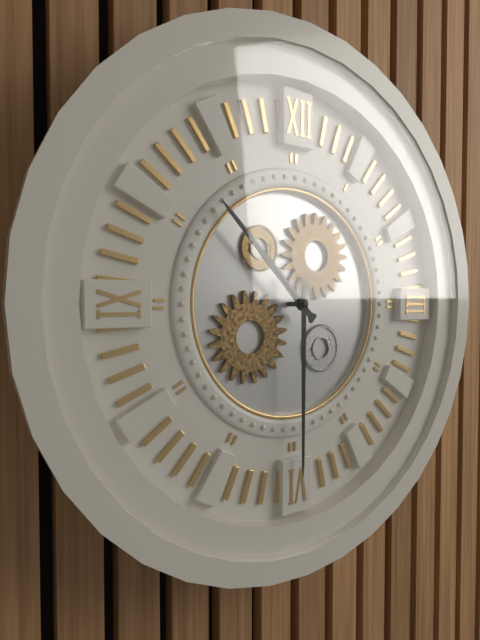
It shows 10 h 30 min
